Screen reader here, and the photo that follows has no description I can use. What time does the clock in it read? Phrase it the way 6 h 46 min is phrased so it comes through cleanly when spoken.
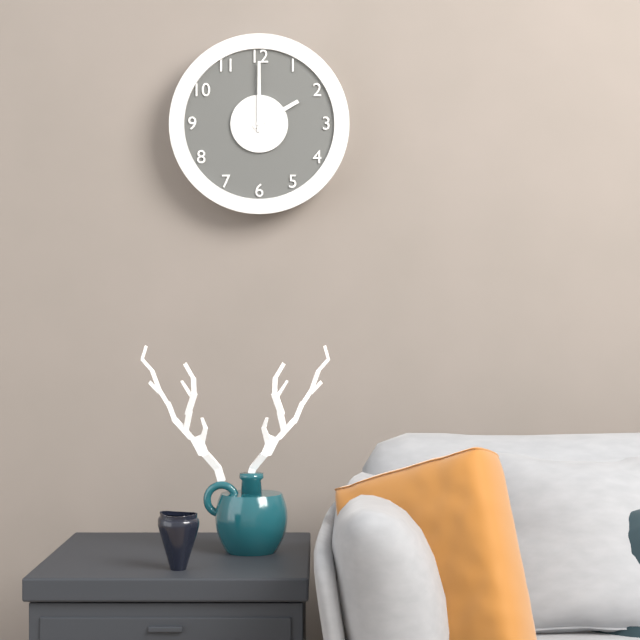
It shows 2 h 00 min
